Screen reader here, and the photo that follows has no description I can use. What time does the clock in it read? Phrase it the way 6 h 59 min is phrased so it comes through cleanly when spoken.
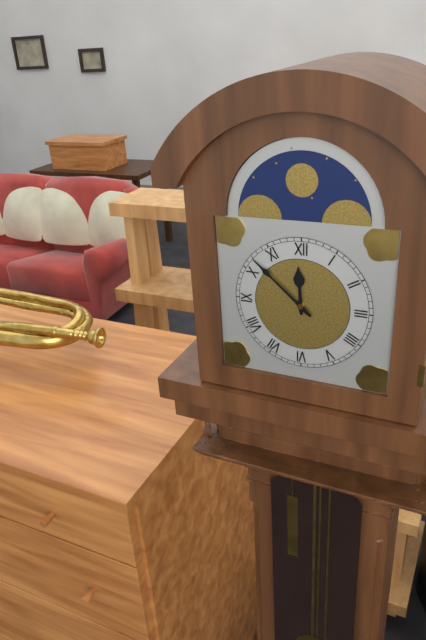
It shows 11 h 52 min
